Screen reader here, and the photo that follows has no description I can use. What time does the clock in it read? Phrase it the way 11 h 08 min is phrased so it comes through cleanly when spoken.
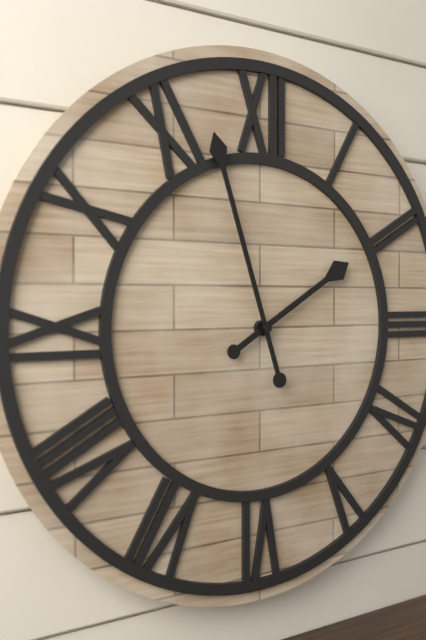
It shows 1 h 57 min
